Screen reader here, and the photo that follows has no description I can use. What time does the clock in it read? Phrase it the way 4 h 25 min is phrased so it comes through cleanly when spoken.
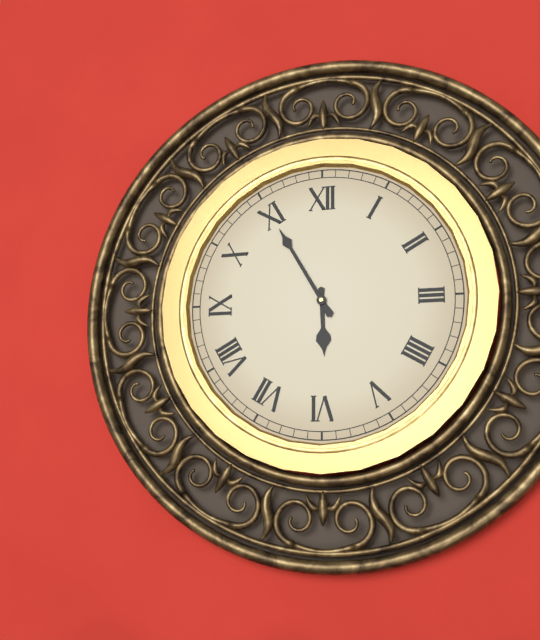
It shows 5 h 55 min
